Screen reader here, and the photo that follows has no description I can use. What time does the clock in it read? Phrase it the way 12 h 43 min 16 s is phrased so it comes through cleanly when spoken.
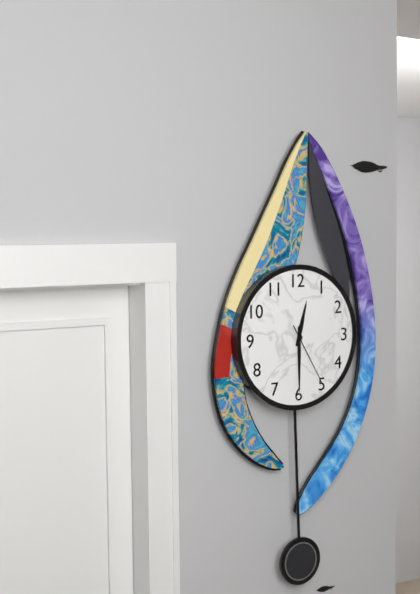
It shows 12 h 30 min 25 s
